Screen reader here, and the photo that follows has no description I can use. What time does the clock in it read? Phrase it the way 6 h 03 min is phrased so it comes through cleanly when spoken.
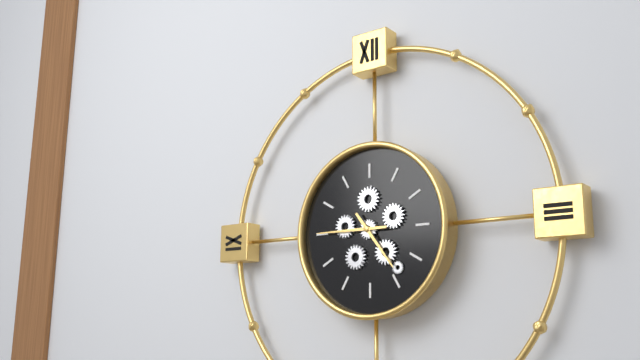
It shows 4 h 45 min
